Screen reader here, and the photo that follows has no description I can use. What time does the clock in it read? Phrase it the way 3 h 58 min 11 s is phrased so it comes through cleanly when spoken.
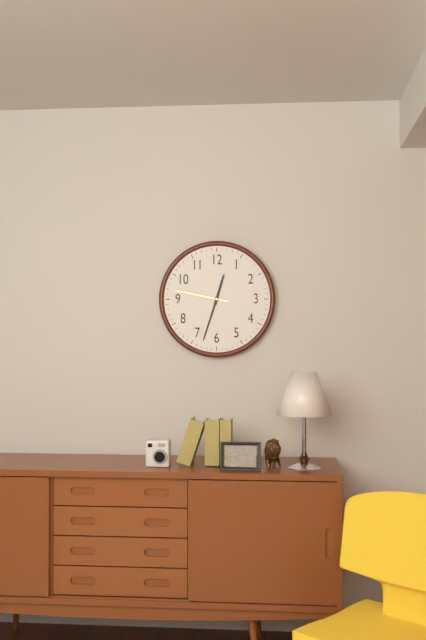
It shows 12 h 33 min 47 s
